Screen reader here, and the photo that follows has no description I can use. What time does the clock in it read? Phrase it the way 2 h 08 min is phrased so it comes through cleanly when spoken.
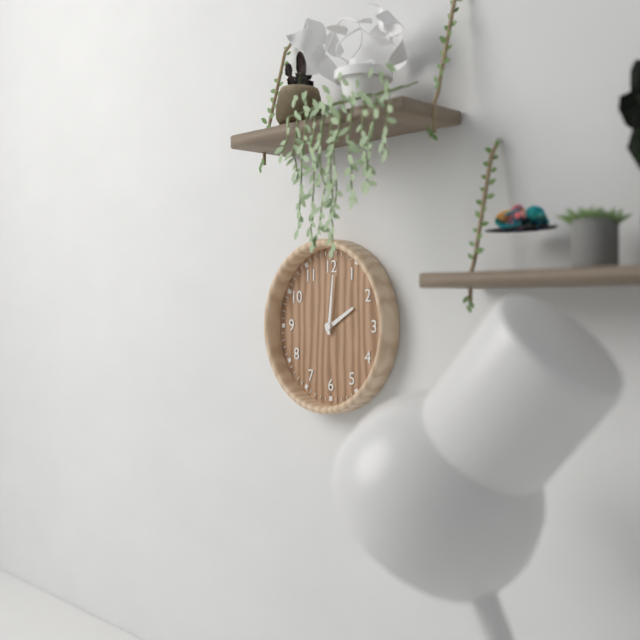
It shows 2 h 01 min
